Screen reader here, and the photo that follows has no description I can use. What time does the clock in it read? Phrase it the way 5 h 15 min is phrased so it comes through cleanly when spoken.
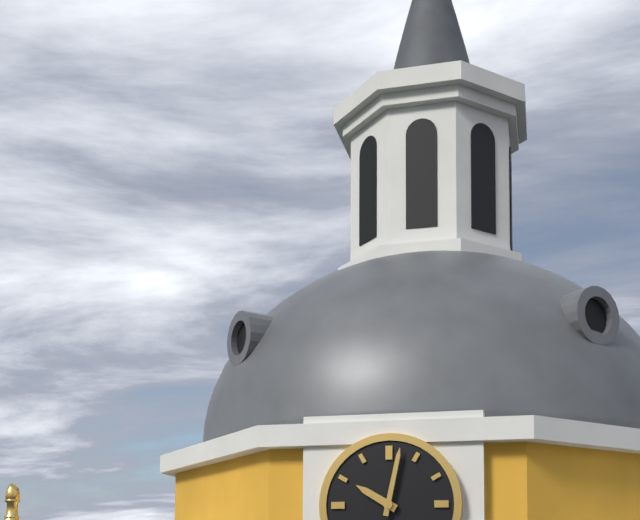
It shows 10 h 02 min
